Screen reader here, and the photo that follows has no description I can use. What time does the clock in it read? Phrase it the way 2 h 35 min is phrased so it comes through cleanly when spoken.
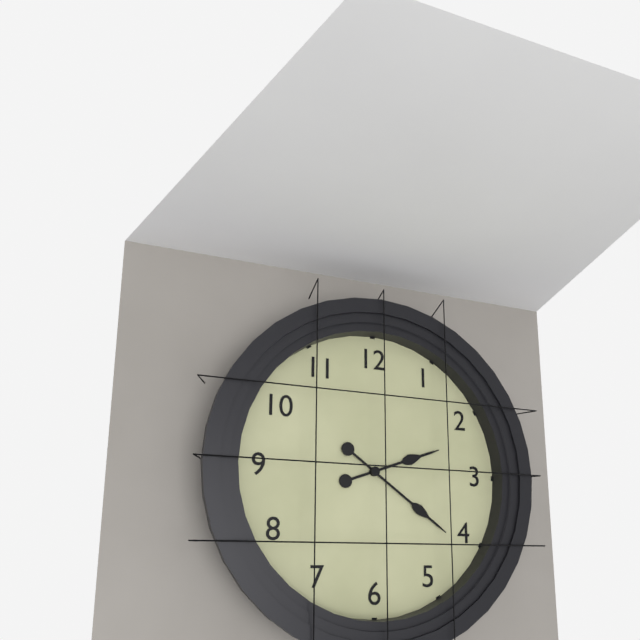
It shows 2 h 21 min
